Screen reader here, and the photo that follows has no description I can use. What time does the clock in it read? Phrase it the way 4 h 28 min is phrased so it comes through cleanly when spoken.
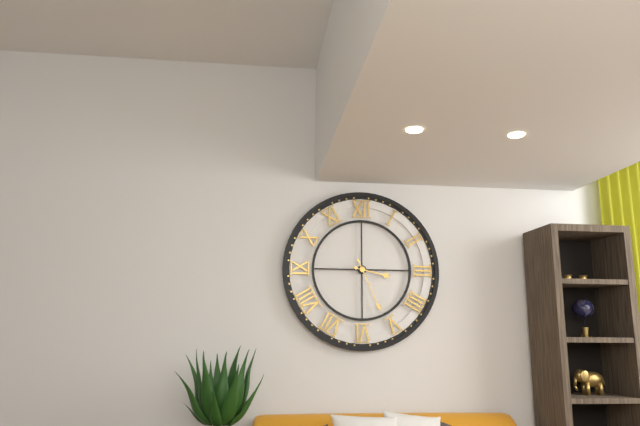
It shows 3 h 26 min
